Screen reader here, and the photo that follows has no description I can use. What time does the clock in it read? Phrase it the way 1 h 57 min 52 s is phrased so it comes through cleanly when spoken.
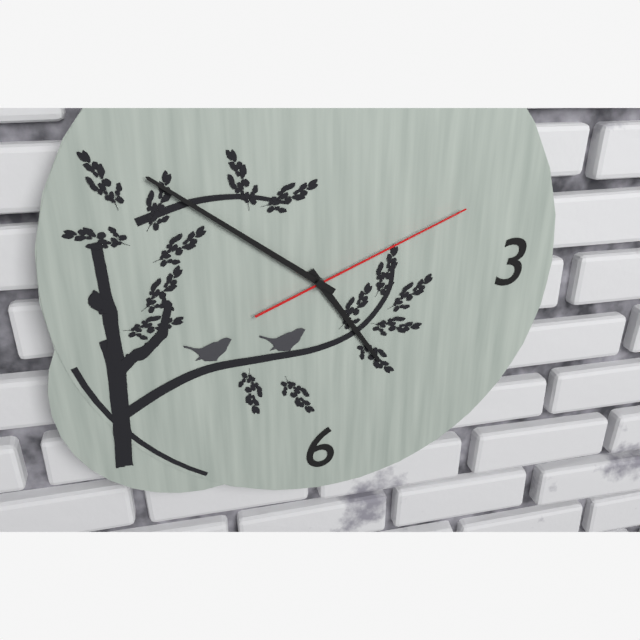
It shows 4 h 51 min 11 s
